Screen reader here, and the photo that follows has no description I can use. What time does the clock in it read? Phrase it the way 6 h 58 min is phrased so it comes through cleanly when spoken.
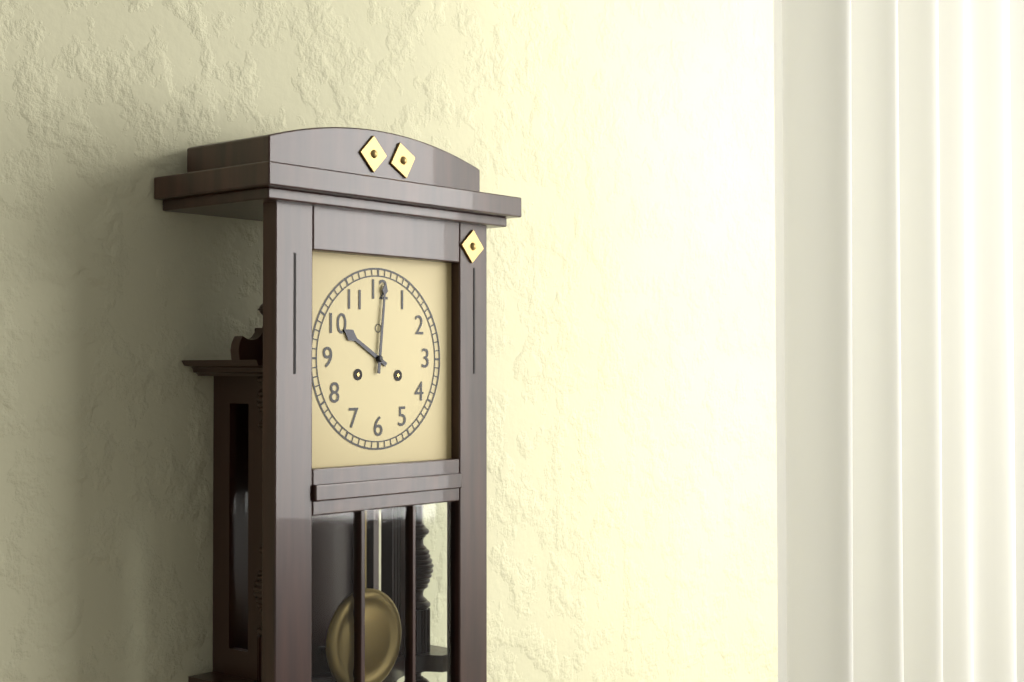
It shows 10 h 01 min
